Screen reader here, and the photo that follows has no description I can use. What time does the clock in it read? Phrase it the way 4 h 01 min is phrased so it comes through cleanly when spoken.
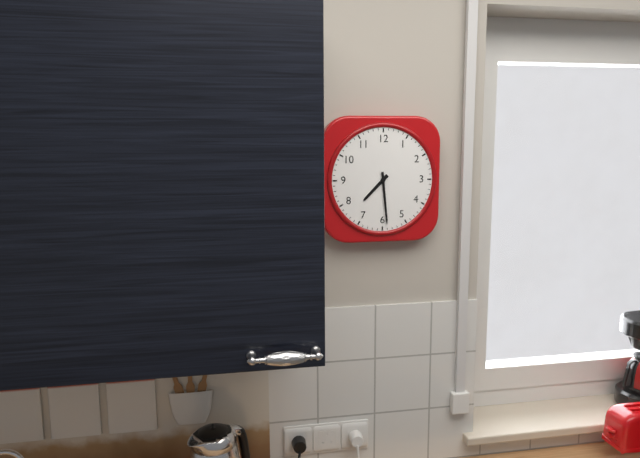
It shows 7 h 29 min
